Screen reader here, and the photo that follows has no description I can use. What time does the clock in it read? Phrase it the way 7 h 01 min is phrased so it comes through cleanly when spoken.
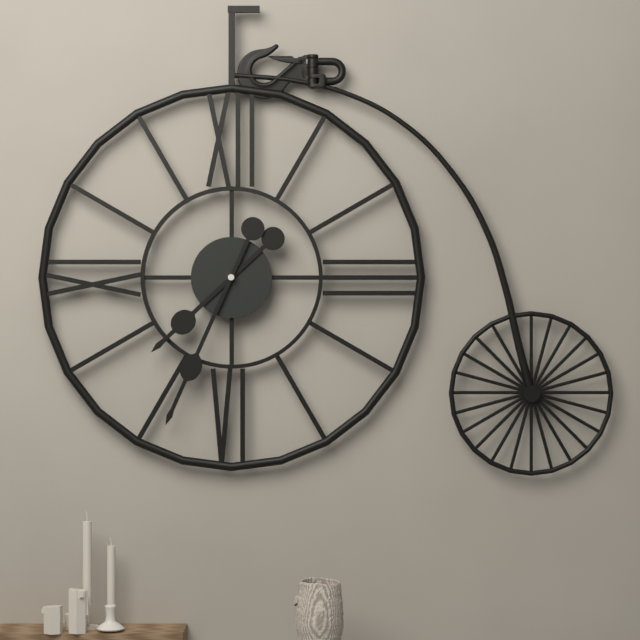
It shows 7 h 34 min
